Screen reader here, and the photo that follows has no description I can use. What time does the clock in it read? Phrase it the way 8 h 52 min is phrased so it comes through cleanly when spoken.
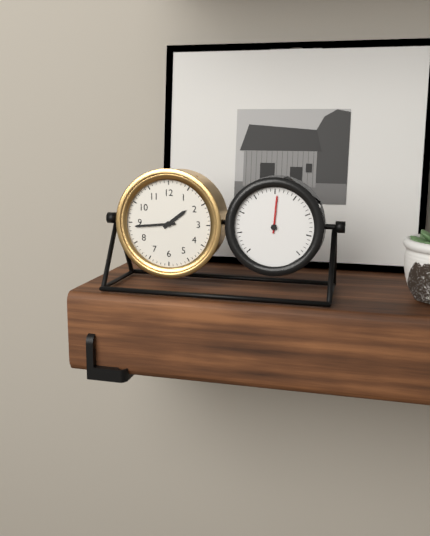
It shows 1 h 44 min
